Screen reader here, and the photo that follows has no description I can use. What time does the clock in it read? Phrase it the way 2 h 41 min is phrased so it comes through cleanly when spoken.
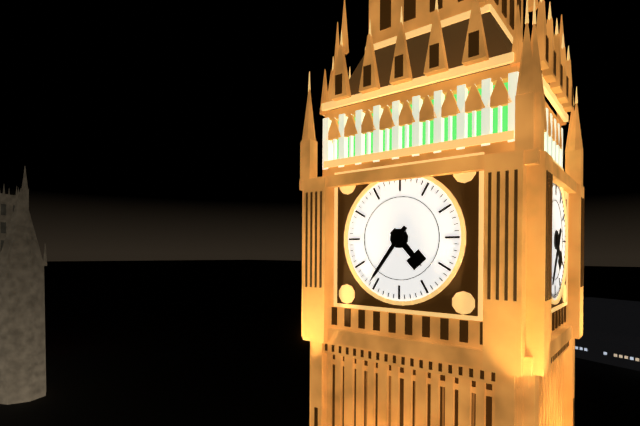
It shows 4 h 36 min
